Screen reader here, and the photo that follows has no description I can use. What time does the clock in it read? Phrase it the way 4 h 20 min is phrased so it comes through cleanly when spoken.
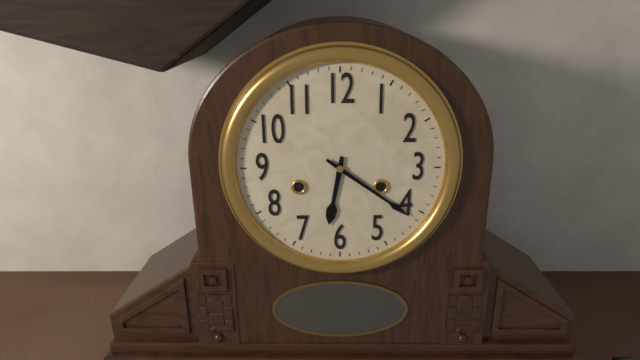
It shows 6 h 21 min
